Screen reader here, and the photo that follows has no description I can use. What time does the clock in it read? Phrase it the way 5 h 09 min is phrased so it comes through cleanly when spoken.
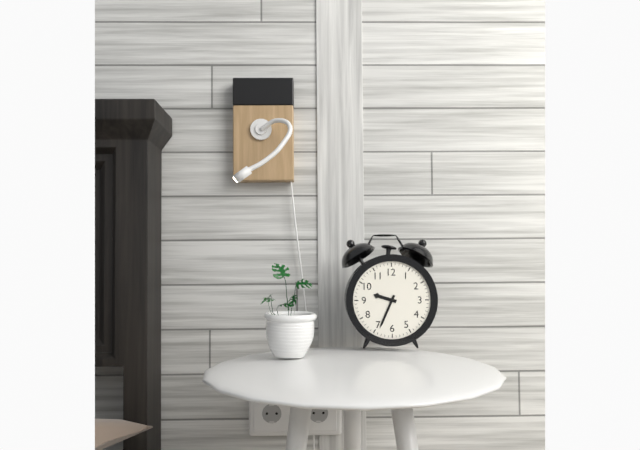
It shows 9 h 34 min
